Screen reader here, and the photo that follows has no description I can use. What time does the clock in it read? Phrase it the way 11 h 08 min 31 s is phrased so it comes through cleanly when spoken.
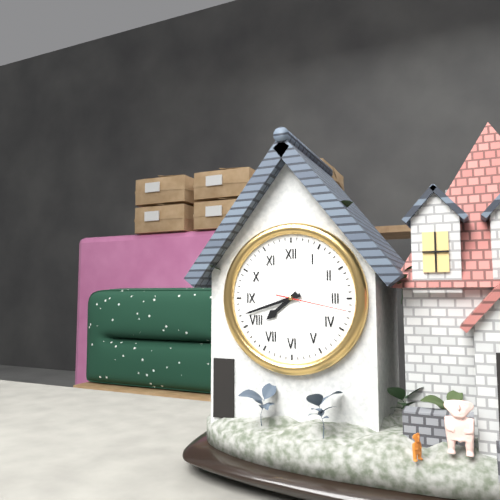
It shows 7 h 42 min 17 s
